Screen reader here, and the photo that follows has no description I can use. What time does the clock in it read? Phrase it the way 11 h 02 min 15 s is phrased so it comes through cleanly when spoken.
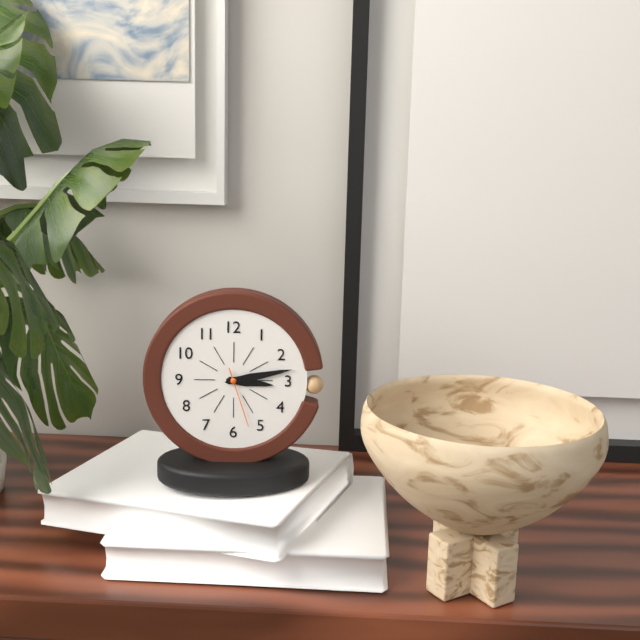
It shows 3 h 13 min 27 s
